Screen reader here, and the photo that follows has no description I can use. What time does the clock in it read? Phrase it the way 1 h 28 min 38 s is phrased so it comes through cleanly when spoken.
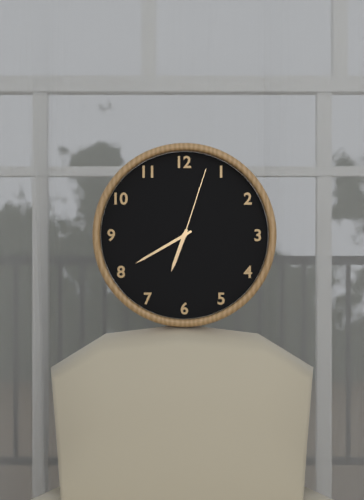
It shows 6 h 40 min 03 s
